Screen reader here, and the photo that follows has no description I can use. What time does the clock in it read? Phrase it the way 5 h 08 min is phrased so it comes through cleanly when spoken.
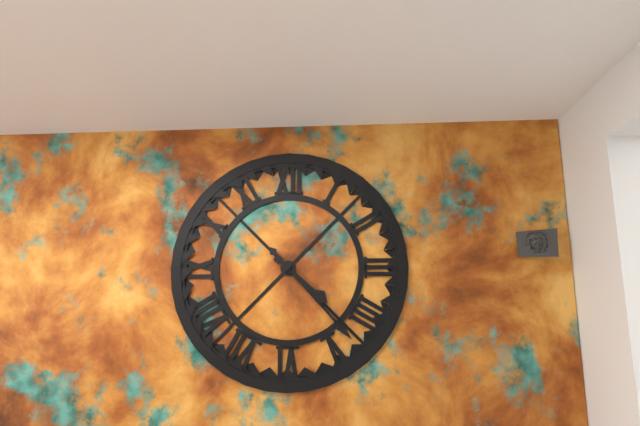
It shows 4 h 23 min
